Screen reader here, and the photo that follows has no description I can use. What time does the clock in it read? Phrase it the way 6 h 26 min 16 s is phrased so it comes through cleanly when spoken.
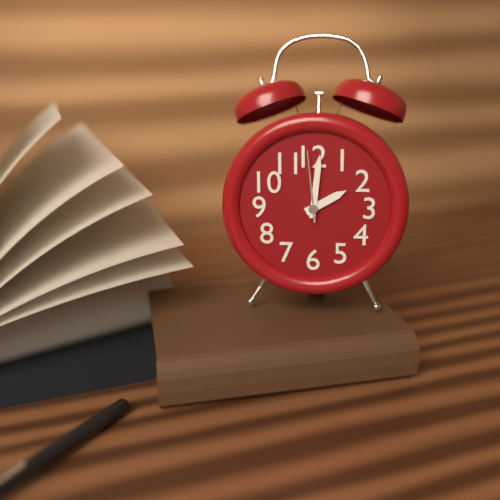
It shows 2 h 01 min 59 s
